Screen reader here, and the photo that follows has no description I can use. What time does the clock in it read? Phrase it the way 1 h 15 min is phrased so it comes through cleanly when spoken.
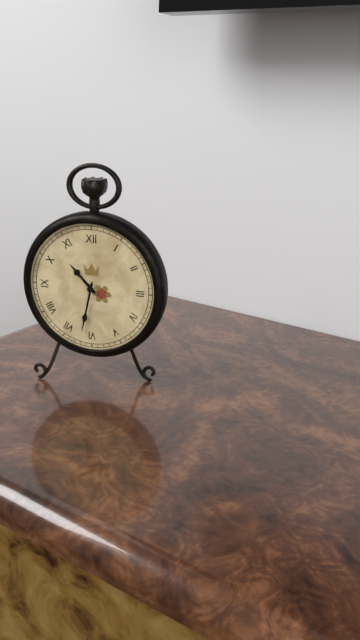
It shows 10 h 32 min
